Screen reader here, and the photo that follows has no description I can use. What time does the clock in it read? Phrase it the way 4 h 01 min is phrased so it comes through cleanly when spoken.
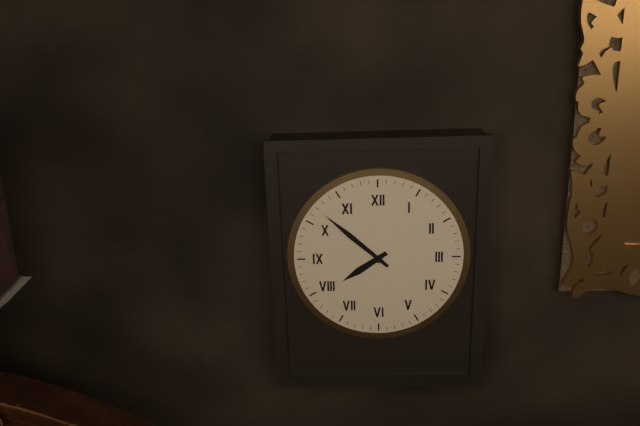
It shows 7 h 52 min
